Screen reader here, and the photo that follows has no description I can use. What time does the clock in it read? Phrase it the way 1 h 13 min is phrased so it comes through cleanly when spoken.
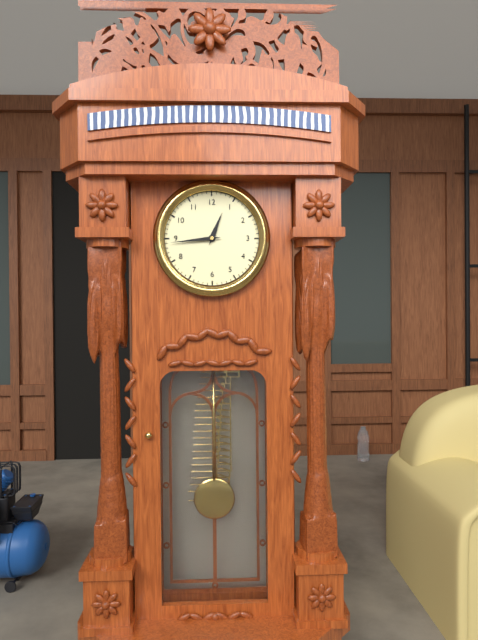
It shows 12 h 44 min
